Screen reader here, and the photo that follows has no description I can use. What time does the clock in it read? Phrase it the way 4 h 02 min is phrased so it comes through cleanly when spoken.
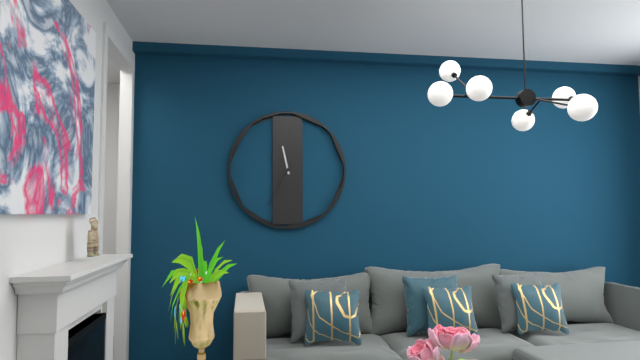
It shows 11 h 35 min
